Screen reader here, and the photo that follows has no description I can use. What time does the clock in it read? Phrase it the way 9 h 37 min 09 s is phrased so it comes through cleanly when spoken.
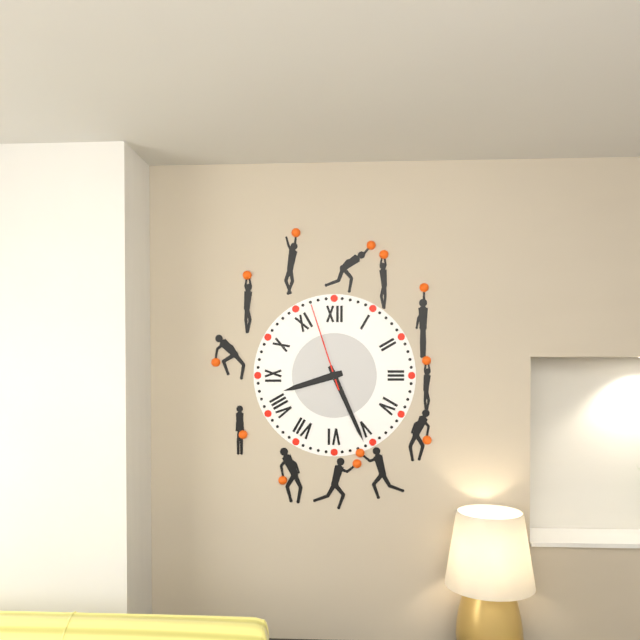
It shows 8 h 26 min 57 s
